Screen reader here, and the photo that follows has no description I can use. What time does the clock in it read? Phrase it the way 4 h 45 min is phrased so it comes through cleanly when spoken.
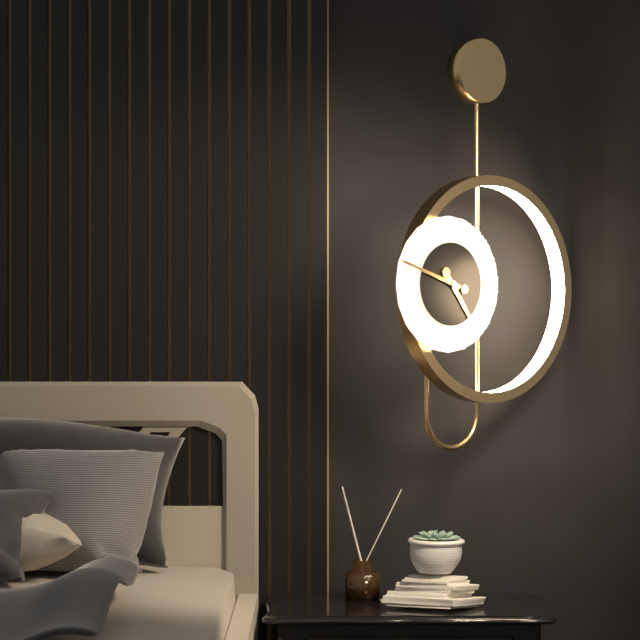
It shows 4 h 48 min
